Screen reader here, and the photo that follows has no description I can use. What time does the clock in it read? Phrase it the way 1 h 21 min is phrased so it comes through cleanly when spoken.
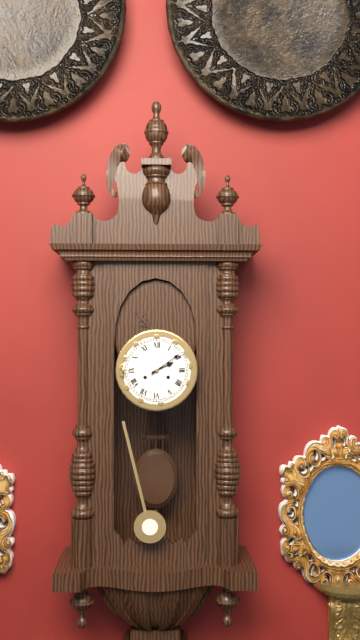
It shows 2 h 09 min
